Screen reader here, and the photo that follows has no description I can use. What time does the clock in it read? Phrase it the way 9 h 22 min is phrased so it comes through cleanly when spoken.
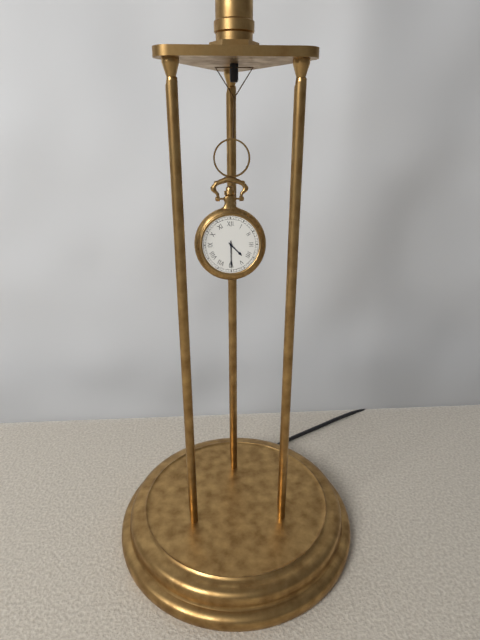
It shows 4 h 30 min
